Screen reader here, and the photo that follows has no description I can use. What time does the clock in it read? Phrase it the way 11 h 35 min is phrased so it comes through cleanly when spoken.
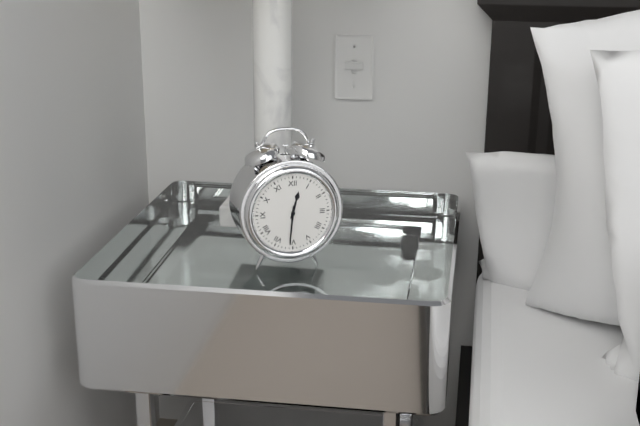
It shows 12 h 31 min
